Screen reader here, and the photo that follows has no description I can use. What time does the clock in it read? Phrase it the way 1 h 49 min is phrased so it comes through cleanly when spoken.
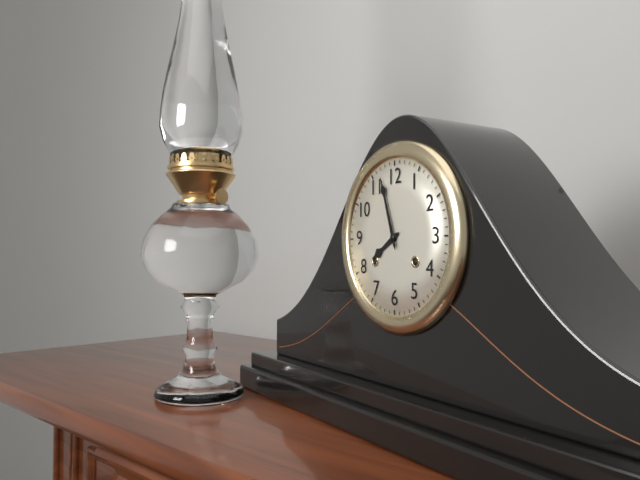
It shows 7 h 57 min
